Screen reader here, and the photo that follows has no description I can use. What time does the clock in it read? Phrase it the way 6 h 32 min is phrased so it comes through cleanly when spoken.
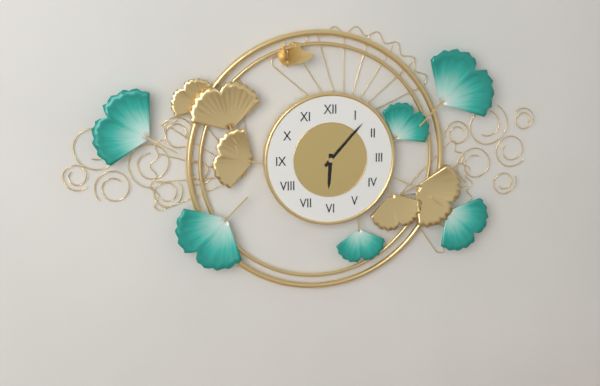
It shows 6 h 07 min
